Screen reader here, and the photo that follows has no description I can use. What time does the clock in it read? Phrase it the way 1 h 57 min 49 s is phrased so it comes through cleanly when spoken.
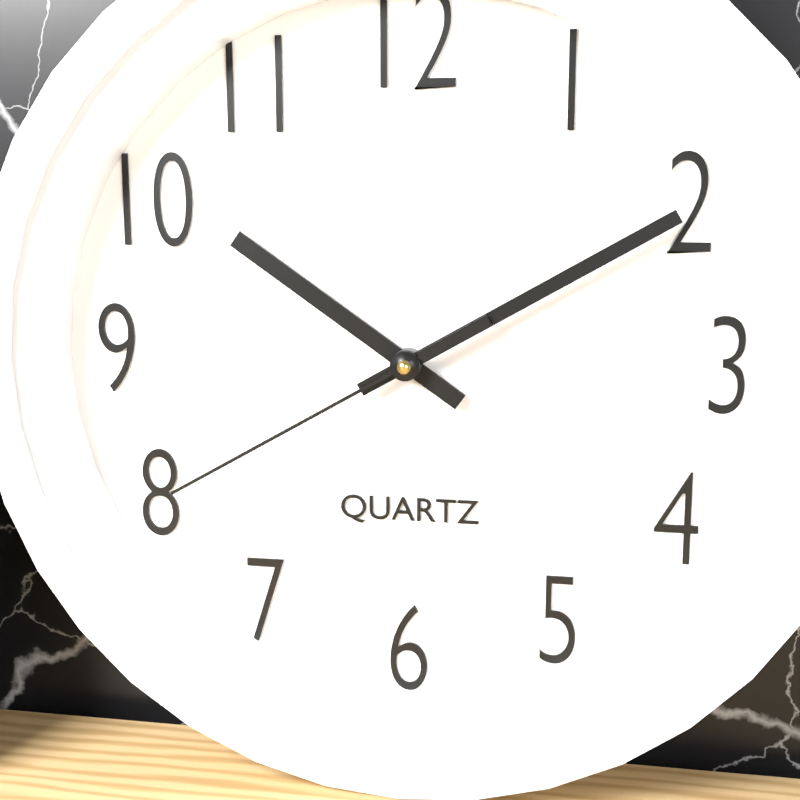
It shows 10 h 10 min 40 s
